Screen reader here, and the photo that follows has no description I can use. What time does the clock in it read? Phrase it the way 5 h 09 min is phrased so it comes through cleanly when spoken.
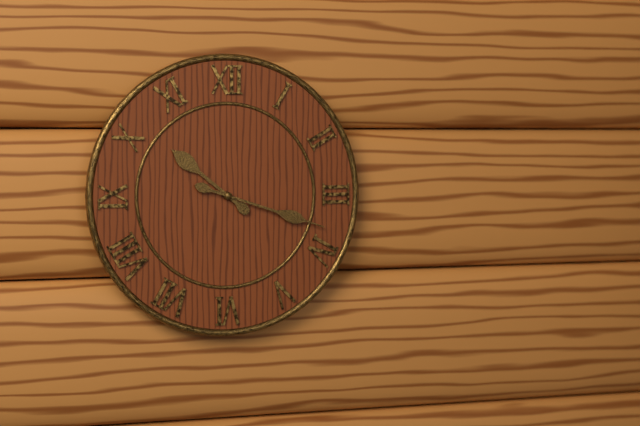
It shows 10 h 18 min
